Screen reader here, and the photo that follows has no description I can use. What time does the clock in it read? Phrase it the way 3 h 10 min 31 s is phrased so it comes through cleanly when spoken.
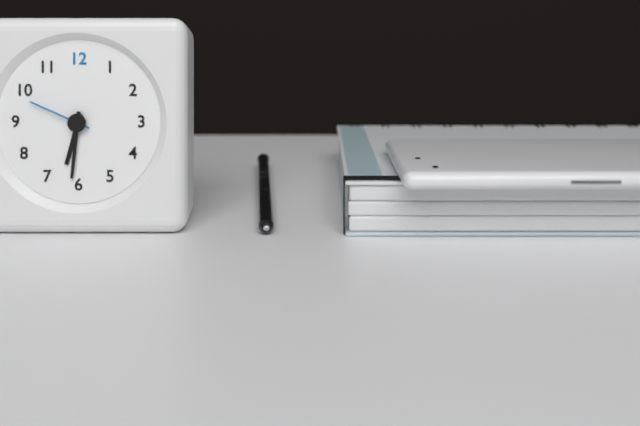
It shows 6 h 31 min 49 s
